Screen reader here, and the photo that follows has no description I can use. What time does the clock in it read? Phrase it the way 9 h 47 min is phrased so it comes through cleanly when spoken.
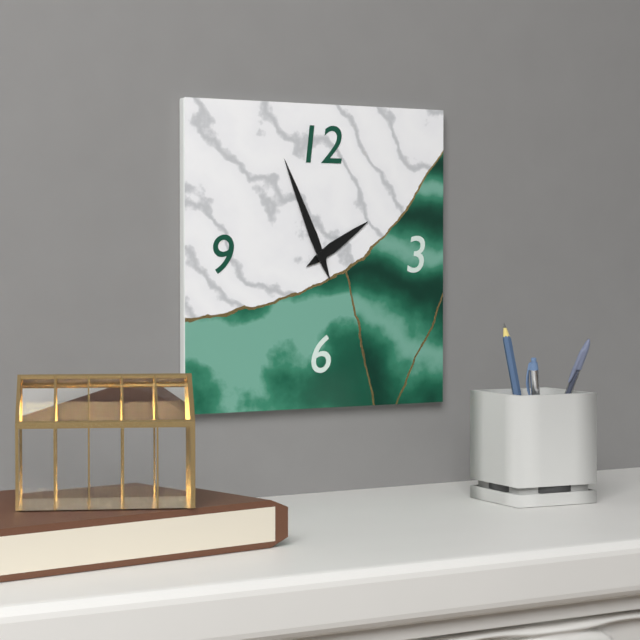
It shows 1 h 56 min
